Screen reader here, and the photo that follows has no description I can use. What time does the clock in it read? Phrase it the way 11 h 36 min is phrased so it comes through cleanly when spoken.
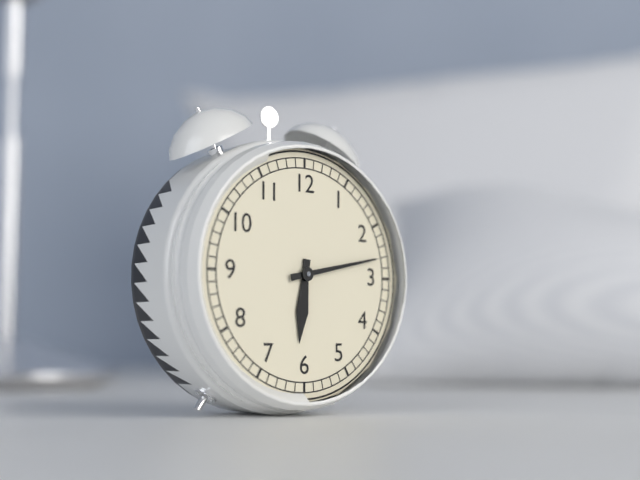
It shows 6 h 13 min
